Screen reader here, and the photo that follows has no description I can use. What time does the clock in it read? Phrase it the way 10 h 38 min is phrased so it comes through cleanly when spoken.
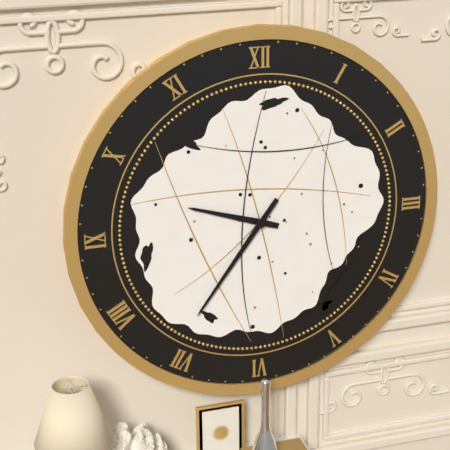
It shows 9 h 36 min
